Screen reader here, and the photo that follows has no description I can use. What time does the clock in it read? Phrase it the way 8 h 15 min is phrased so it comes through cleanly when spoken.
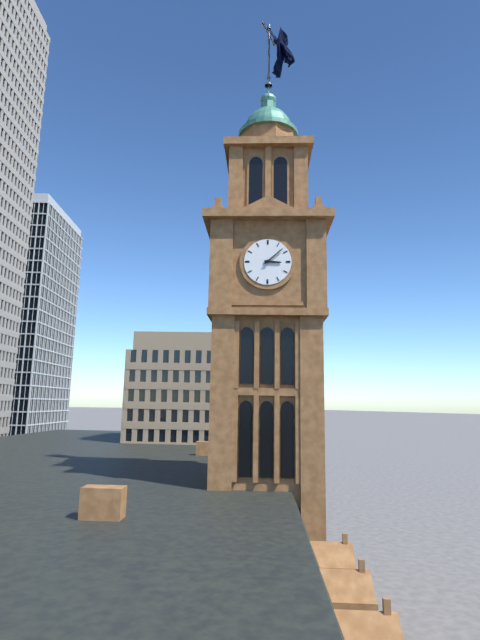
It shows 3 h 08 min
